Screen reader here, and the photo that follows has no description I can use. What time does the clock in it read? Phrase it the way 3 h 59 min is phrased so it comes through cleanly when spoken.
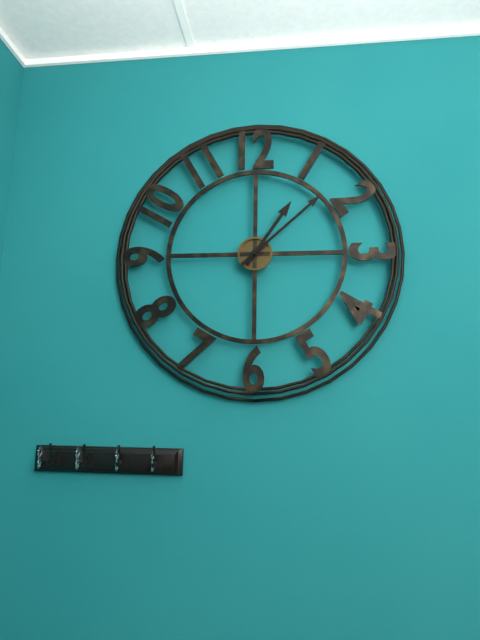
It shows 1 h 08 min
